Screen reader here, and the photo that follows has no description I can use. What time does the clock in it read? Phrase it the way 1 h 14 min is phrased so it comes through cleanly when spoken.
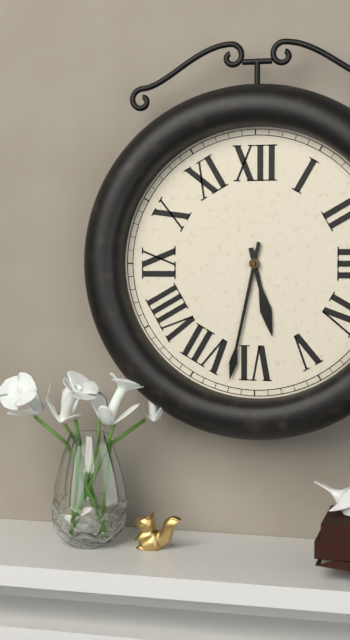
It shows 5 h 32 min
